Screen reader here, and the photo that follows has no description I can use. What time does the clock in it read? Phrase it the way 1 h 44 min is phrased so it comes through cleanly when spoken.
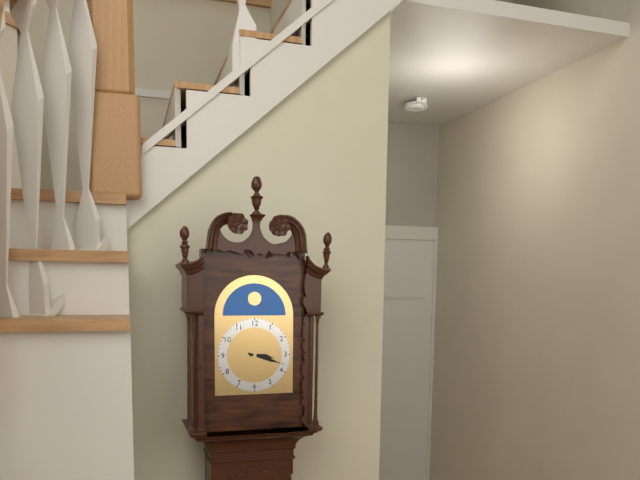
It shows 3 h 18 min
